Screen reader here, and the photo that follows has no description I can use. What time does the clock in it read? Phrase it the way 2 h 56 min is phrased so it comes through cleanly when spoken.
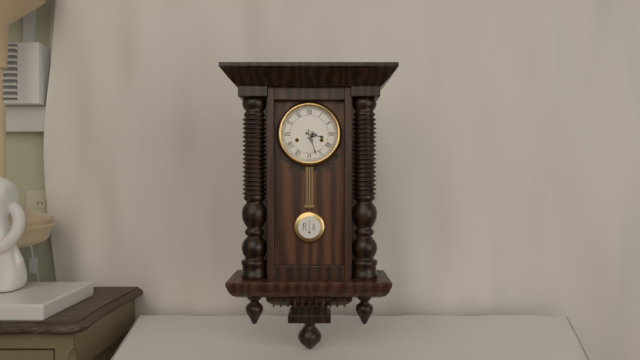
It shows 3 h 27 min
